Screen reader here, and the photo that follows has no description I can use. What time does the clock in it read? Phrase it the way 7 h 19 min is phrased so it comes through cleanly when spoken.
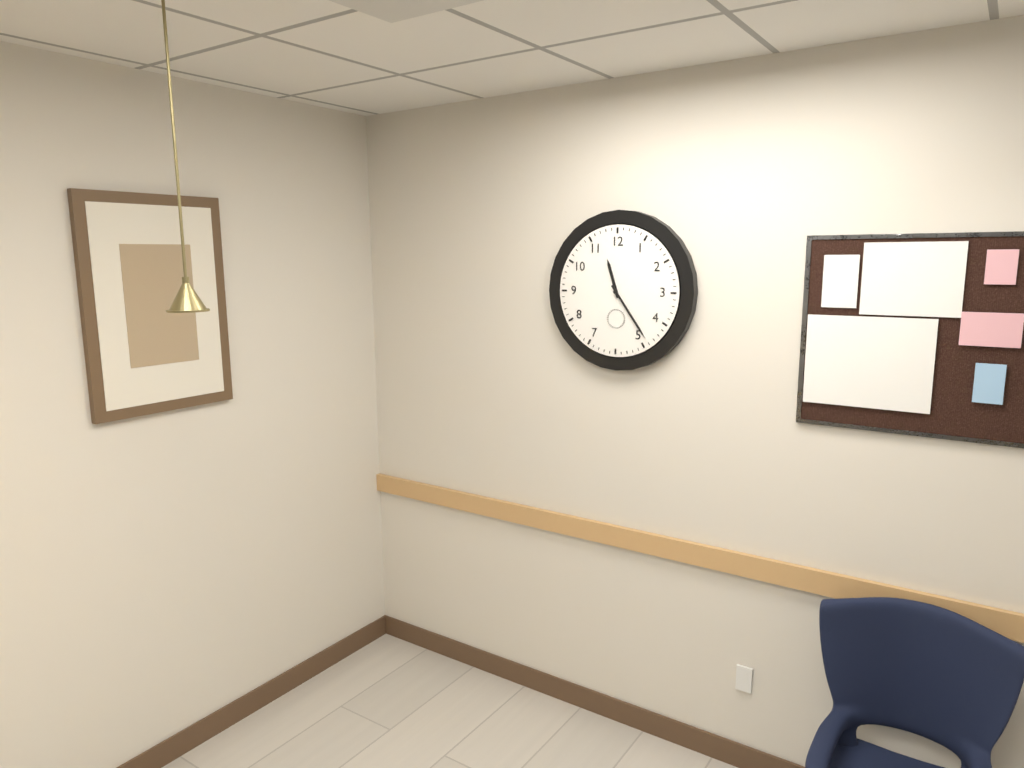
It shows 11 h 24 min
